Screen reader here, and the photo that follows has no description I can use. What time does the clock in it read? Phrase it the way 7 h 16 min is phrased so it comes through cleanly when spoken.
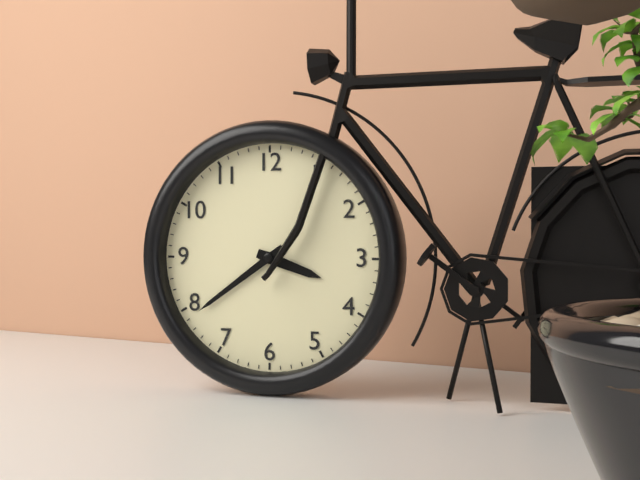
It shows 3 h 39 min
